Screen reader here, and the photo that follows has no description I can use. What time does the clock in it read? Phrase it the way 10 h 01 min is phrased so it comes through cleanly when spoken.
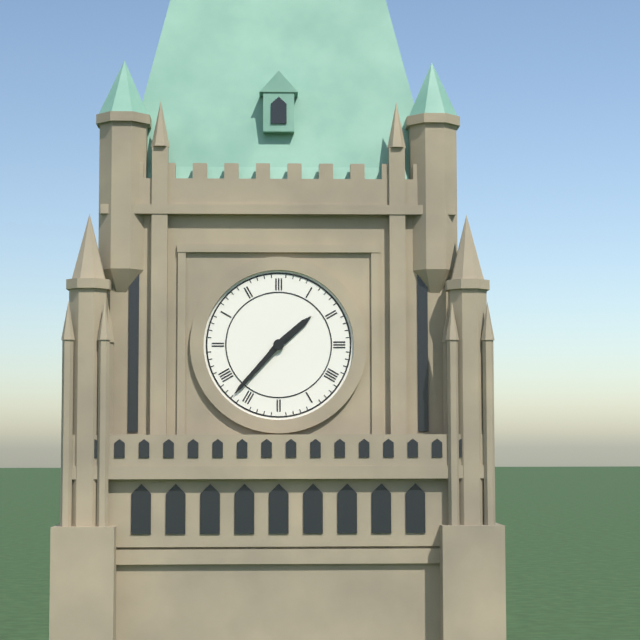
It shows 1 h 37 min
